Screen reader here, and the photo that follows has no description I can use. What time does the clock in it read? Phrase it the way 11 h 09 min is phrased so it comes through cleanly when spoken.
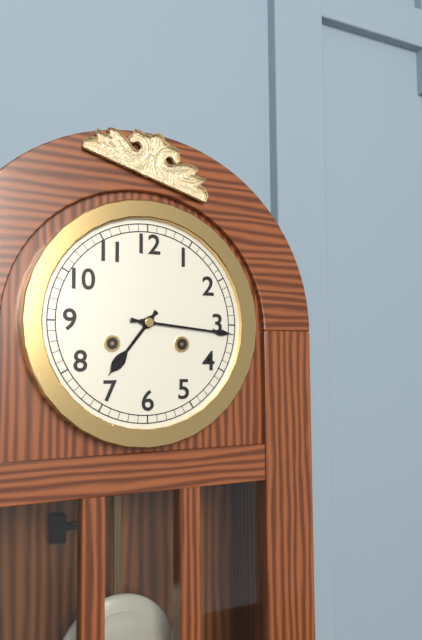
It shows 7 h 16 min
